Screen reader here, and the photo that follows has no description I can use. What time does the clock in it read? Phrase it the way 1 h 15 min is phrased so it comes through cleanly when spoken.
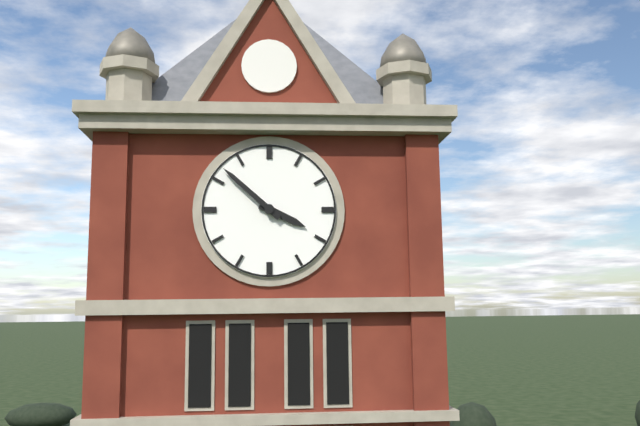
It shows 3 h 52 min
